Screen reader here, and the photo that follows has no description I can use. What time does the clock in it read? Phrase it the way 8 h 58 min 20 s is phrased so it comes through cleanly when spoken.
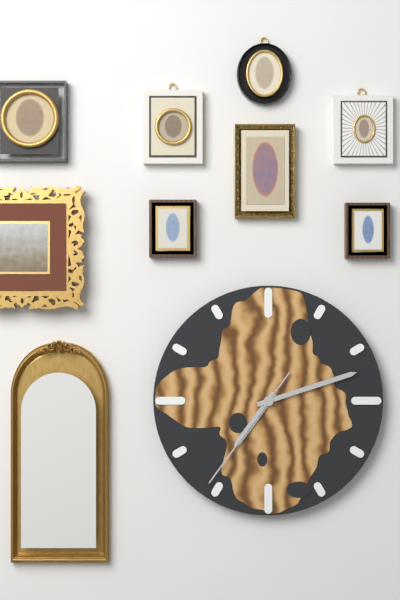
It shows 7 h 12 min 36 s
